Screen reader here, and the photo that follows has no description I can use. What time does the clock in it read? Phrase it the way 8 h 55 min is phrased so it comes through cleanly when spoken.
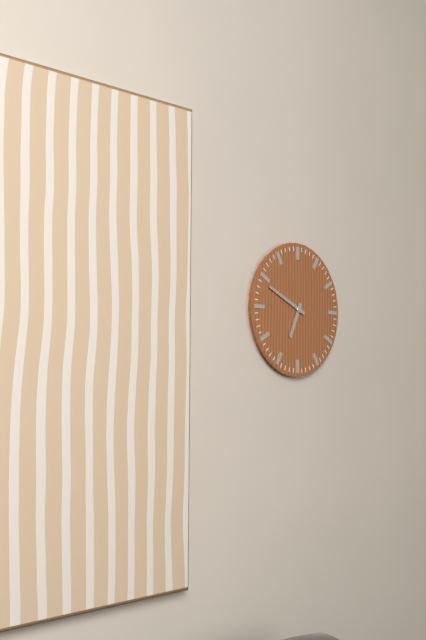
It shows 6 h 49 min
